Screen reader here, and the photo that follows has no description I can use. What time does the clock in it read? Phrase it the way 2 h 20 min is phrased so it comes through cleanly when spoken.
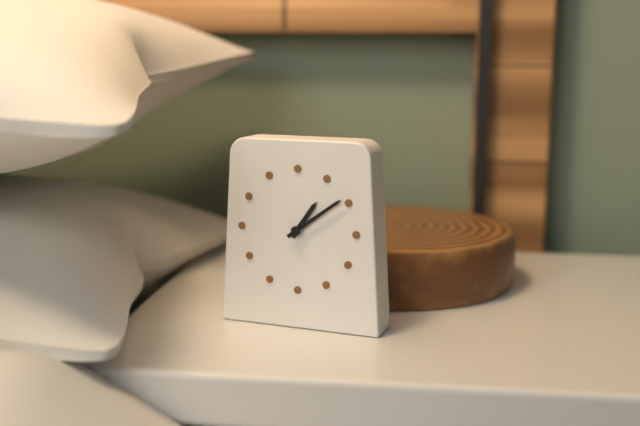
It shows 1 h 09 min
